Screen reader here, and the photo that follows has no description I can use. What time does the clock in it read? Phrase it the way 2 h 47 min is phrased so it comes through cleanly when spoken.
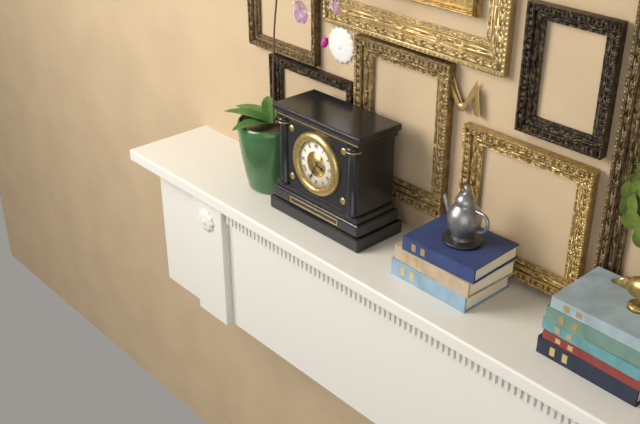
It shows 3 h 34 min
